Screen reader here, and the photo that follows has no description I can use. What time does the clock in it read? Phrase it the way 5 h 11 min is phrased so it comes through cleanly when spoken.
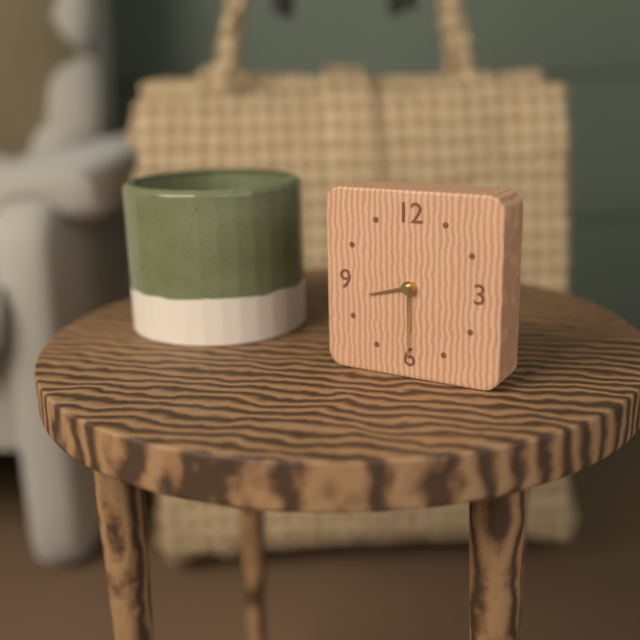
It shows 8 h 30 min
